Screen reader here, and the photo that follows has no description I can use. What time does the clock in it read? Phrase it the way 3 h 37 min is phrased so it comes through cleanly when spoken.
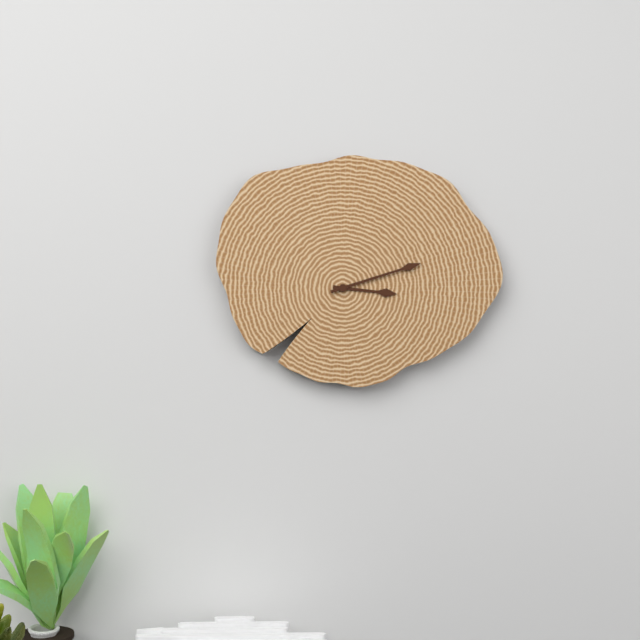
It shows 3 h 12 min
